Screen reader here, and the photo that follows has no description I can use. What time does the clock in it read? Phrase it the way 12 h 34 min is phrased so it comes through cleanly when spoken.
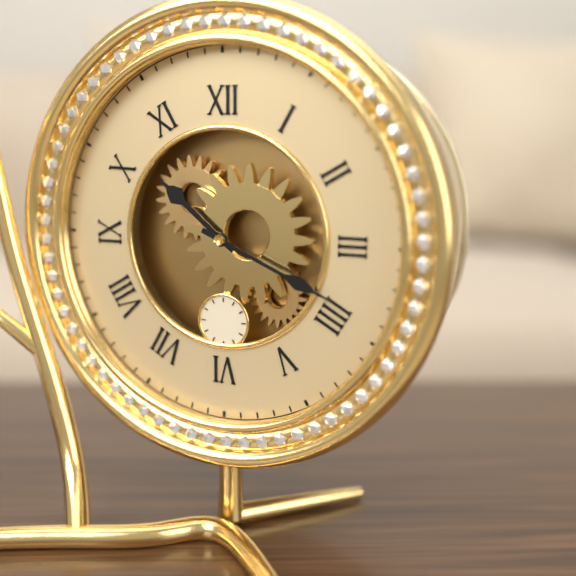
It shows 10 h 19 min
